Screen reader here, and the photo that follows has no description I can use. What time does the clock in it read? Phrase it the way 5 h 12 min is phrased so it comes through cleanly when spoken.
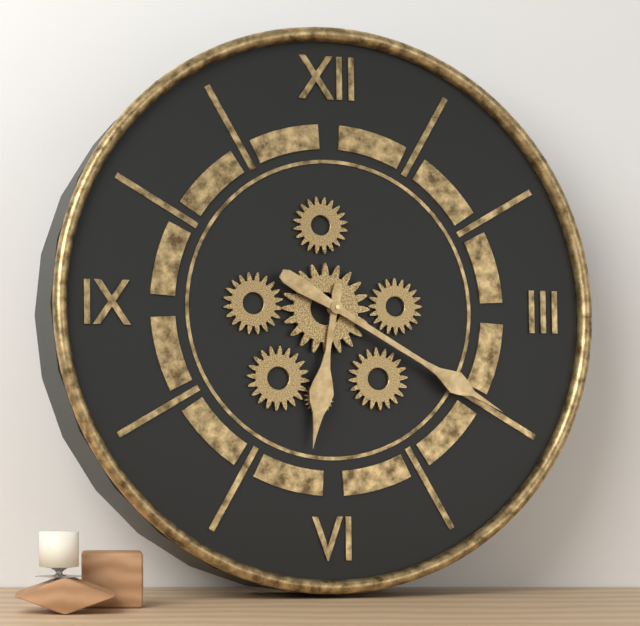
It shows 6 h 20 min
